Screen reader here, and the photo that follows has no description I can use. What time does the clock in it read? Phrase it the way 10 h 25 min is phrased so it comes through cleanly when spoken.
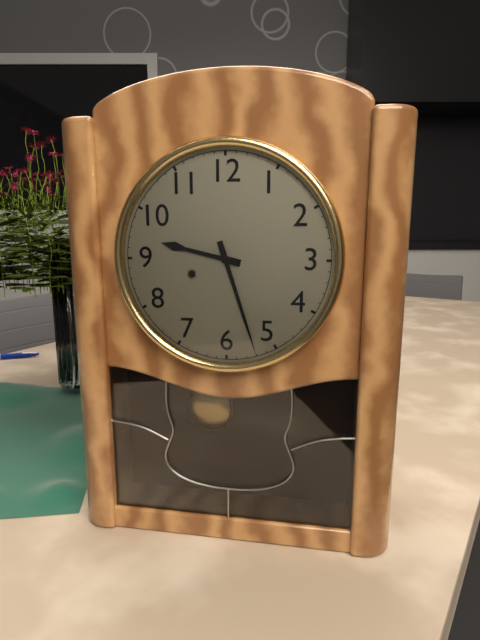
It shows 9 h 27 min
